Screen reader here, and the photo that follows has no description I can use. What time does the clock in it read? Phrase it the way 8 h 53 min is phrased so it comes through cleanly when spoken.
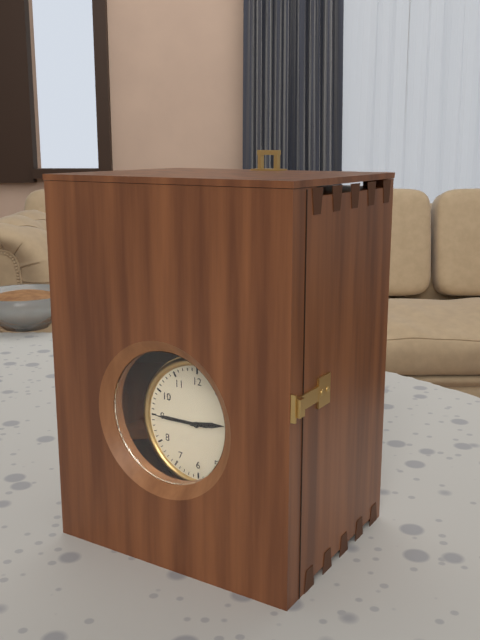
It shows 2 h 45 min
